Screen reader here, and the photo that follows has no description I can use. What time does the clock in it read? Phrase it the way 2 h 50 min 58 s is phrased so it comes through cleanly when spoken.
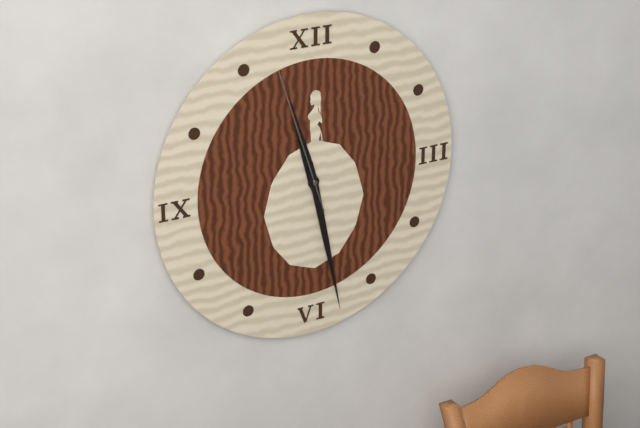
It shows 11 h 28 min 57 s
